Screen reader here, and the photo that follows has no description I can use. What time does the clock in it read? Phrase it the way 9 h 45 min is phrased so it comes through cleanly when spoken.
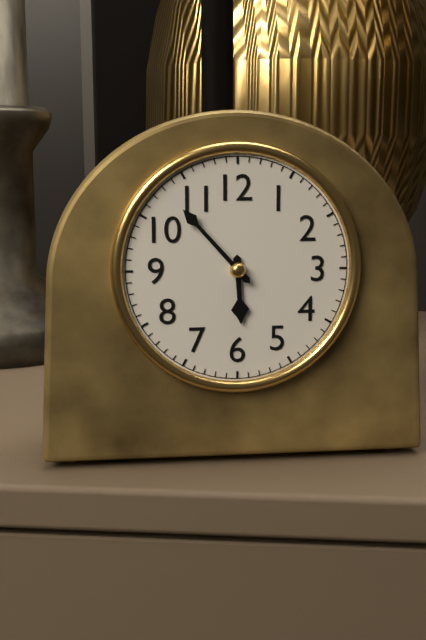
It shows 5 h 53 min
